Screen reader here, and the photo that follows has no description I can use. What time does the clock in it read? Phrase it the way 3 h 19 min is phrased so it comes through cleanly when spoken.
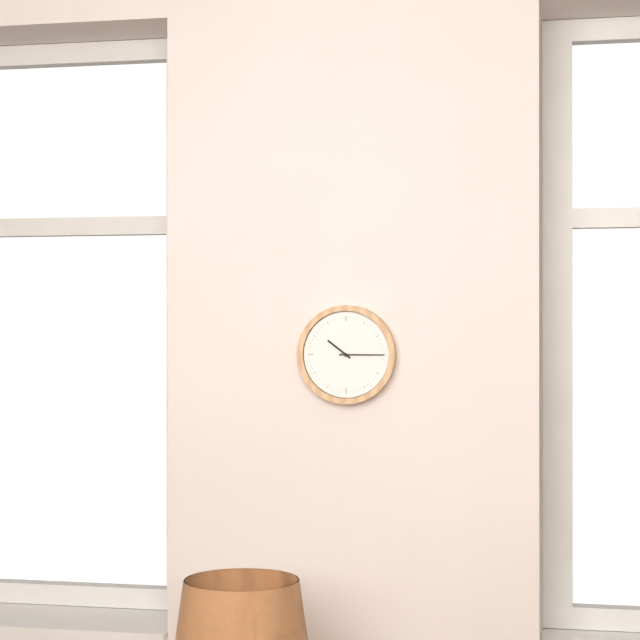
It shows 10 h 15 min
